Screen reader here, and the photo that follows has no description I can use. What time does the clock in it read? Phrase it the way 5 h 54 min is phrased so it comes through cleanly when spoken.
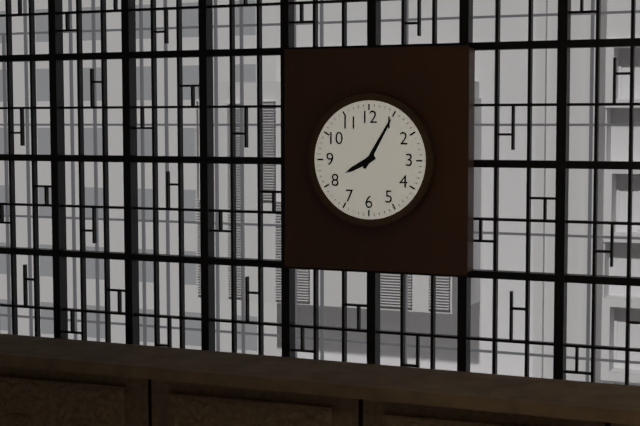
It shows 8 h 05 min
